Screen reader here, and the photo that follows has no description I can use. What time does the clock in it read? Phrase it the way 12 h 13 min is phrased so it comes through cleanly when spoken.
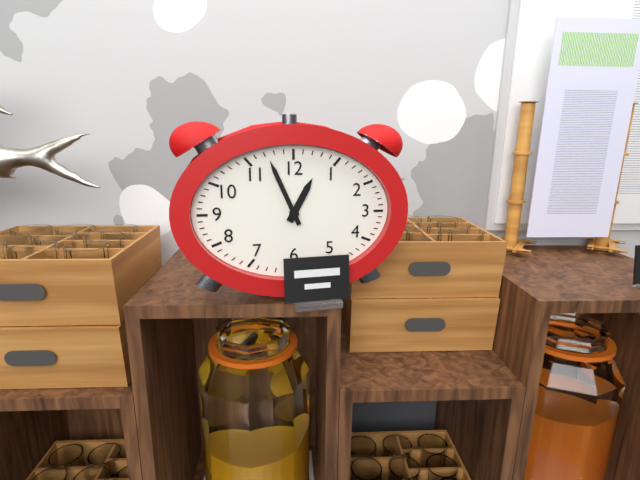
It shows 12 h 56 min
